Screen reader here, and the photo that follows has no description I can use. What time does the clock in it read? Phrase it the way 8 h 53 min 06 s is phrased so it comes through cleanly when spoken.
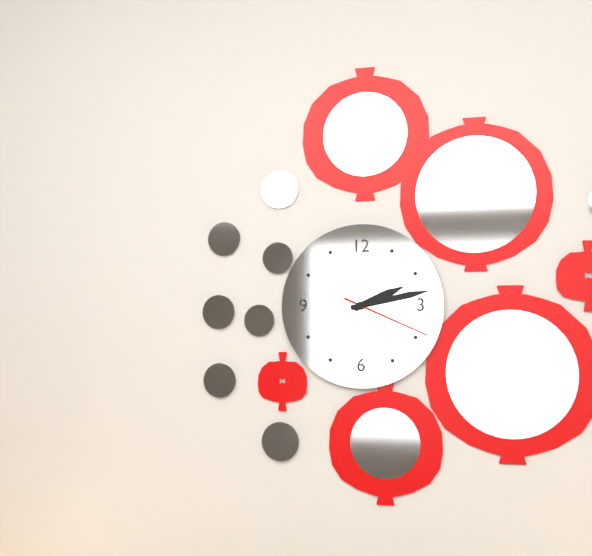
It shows 2 h 13 min 19 s
